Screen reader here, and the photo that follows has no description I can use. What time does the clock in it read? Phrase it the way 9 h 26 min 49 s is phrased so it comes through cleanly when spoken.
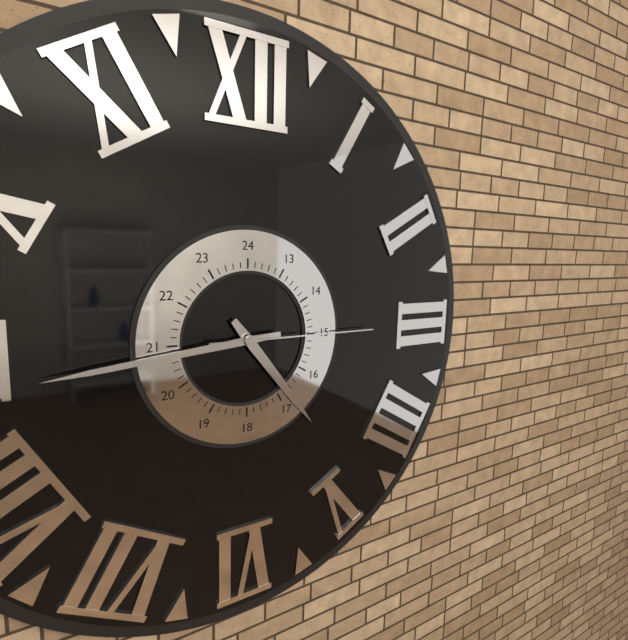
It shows 4 h 44 min 15 s
